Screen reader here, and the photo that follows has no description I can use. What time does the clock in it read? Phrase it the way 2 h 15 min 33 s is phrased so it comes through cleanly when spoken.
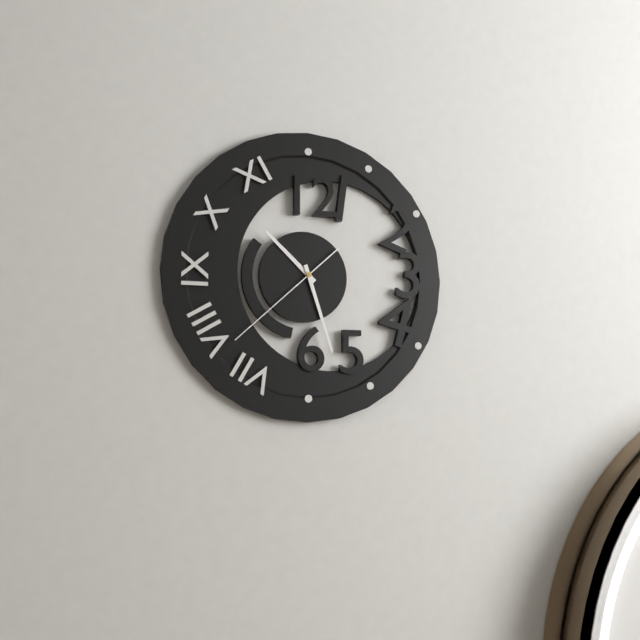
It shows 10 h 27 min 38 s
